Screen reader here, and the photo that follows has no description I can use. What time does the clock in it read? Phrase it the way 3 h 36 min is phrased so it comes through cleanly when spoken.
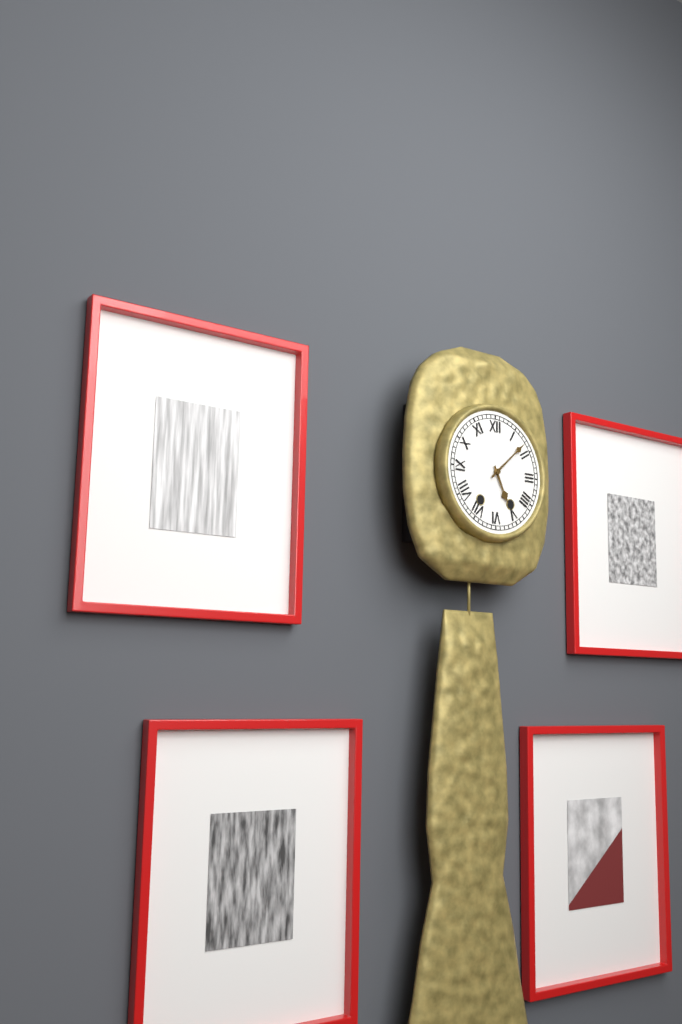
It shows 5 h 08 min
